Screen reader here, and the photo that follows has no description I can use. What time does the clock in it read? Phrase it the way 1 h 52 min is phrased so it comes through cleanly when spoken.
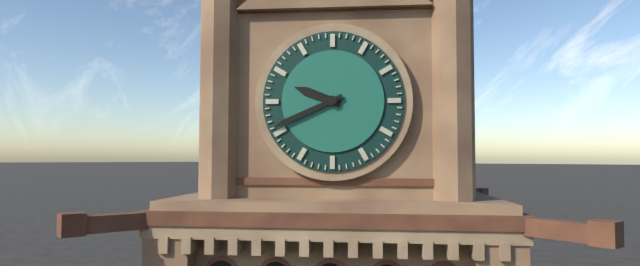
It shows 9 h 41 min
